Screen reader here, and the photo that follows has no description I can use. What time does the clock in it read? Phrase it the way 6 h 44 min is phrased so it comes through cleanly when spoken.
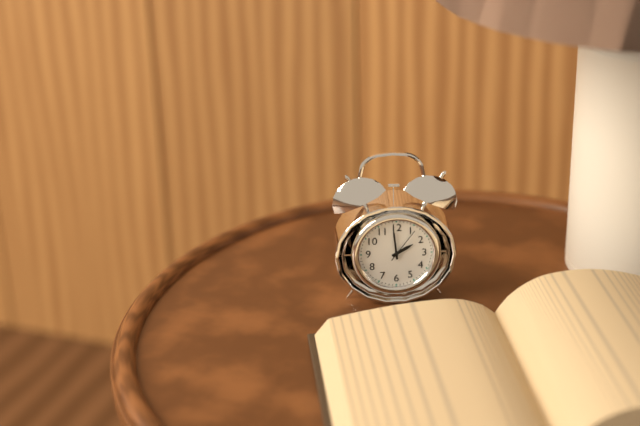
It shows 1 h 59 min
